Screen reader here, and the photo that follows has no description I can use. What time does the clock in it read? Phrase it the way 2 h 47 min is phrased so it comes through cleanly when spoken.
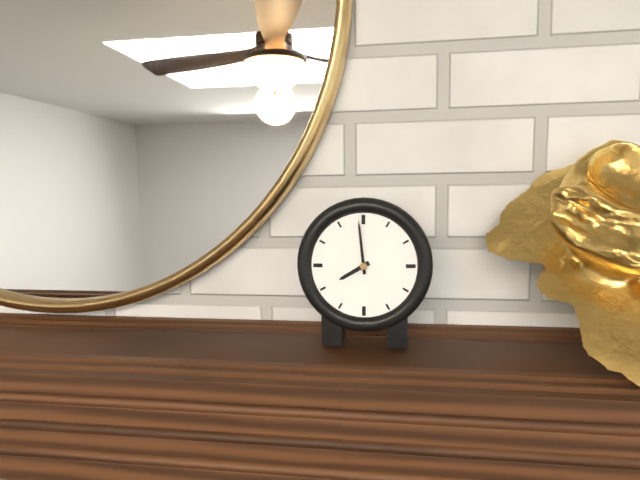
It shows 7 h 59 min
